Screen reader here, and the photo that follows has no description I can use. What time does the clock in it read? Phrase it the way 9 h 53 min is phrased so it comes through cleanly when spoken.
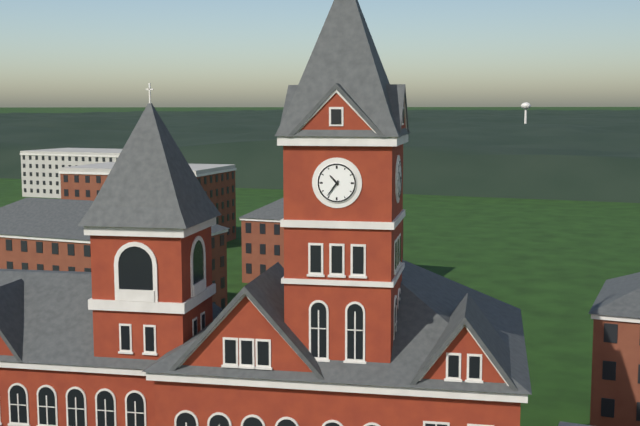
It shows 10 h 36 min
